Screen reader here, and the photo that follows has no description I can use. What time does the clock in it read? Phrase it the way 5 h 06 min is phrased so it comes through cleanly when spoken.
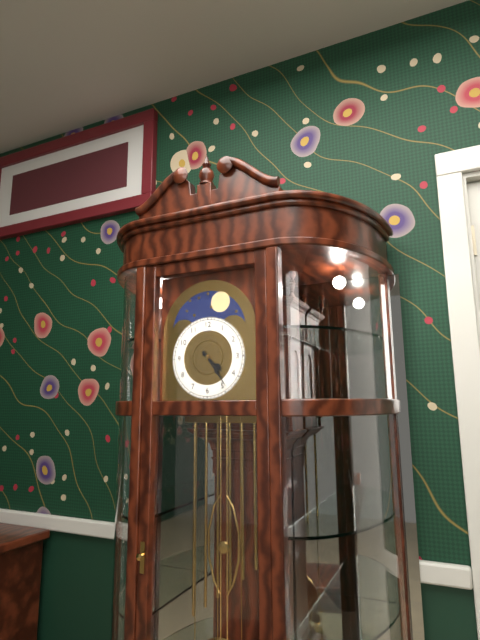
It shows 4 h 24 min
